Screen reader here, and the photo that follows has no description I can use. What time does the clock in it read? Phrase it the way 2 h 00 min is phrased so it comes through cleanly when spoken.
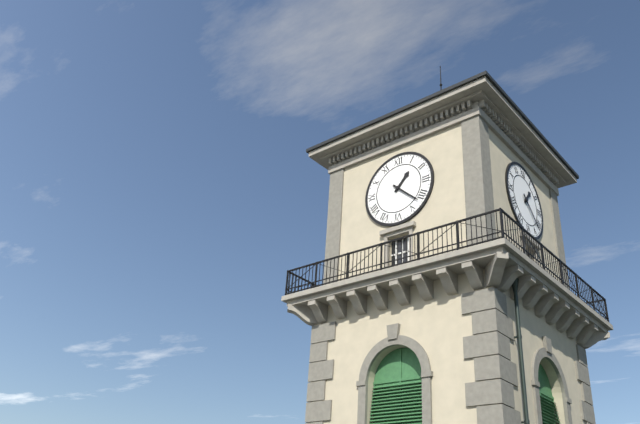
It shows 1 h 22 min
